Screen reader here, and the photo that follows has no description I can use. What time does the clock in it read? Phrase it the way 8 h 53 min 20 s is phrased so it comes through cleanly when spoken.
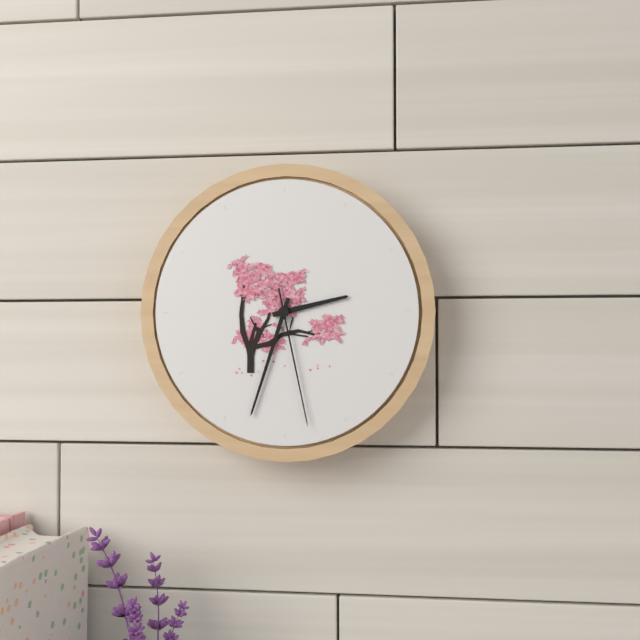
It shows 2 h 33 min 28 s
